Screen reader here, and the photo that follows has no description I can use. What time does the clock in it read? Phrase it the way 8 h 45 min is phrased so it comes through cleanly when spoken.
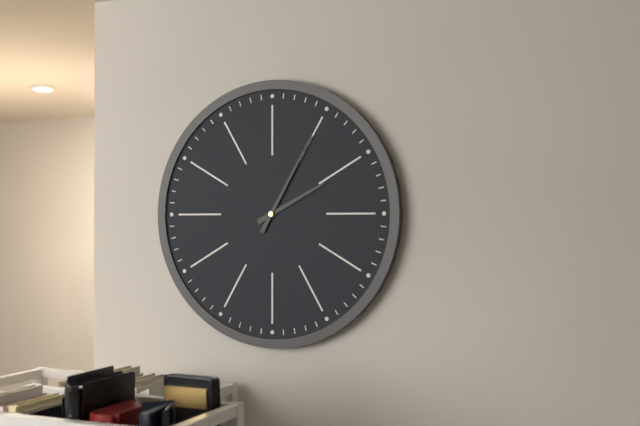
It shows 2 h 05 min
